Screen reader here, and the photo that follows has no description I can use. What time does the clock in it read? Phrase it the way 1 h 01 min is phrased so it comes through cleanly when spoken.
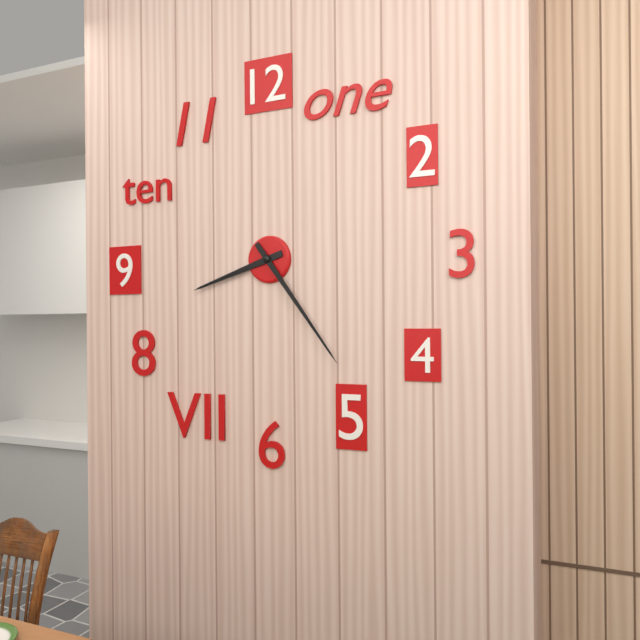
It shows 8 h 24 min
